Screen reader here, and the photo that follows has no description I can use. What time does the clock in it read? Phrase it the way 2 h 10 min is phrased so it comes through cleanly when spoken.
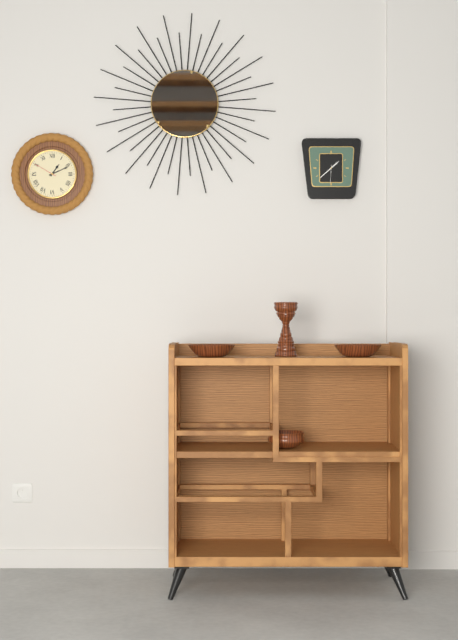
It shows 1 h 11 min
